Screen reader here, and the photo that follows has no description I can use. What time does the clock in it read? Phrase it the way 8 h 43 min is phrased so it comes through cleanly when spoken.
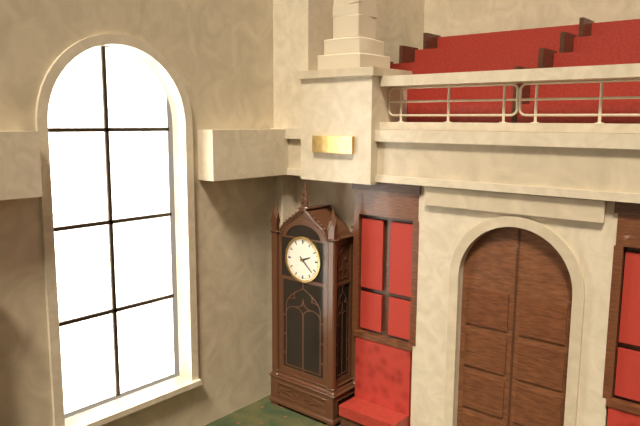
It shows 2 h 22 min
